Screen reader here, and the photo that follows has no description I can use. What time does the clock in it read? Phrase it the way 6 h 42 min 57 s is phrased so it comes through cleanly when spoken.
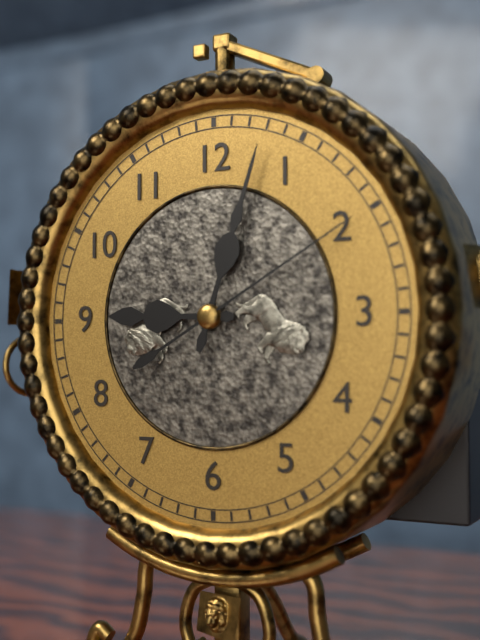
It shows 9 h 03 min 10 s
